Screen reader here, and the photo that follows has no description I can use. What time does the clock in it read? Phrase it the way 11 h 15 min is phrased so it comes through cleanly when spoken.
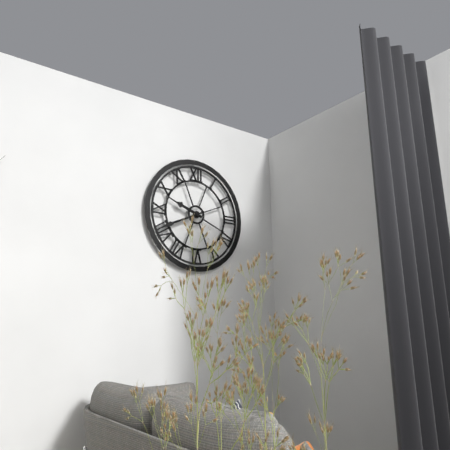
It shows 9 h 41 min
